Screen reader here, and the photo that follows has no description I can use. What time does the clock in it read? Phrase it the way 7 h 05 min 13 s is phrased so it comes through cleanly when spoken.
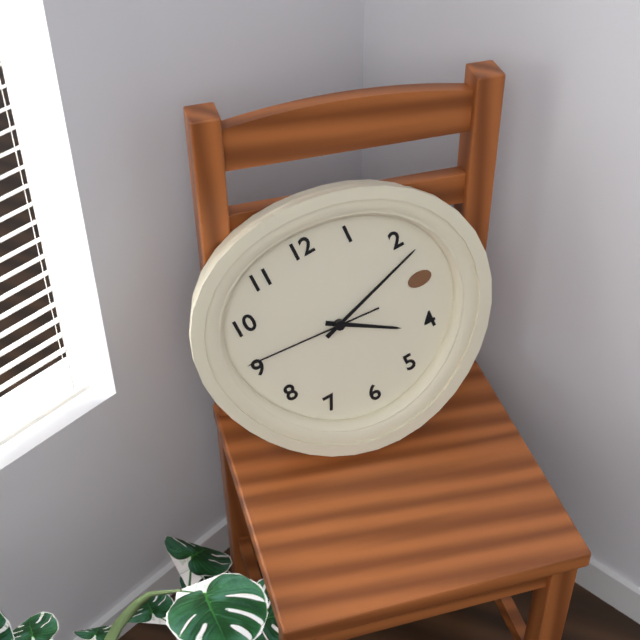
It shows 4 h 12 min 46 s
